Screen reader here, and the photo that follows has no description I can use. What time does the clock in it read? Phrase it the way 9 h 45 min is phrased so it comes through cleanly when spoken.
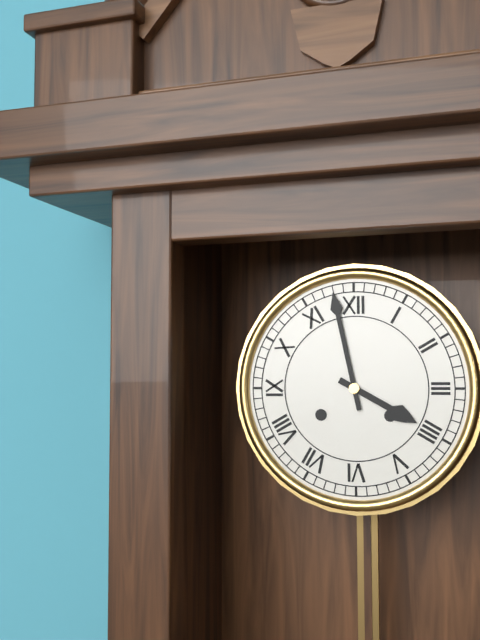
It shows 3 h 58 min
